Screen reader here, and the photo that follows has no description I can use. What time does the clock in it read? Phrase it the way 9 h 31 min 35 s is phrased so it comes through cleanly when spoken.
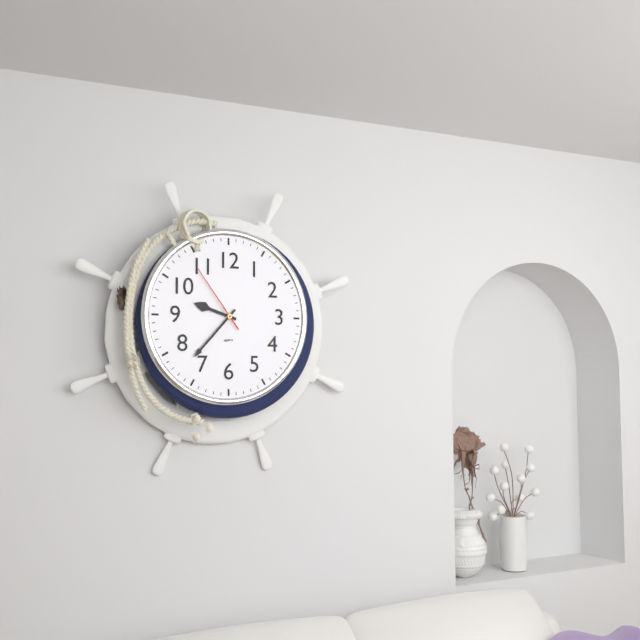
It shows 9 h 37 min 54 s
